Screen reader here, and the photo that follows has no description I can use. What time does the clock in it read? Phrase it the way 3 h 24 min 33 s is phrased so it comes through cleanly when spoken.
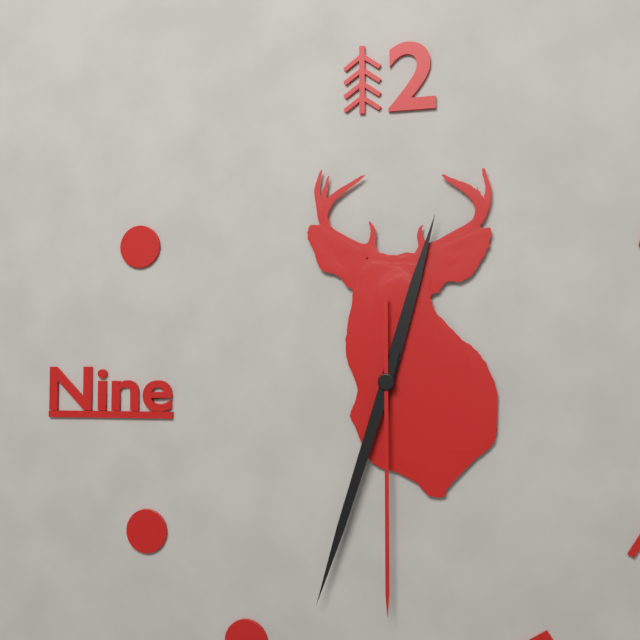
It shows 12 h 33 min 30 s
